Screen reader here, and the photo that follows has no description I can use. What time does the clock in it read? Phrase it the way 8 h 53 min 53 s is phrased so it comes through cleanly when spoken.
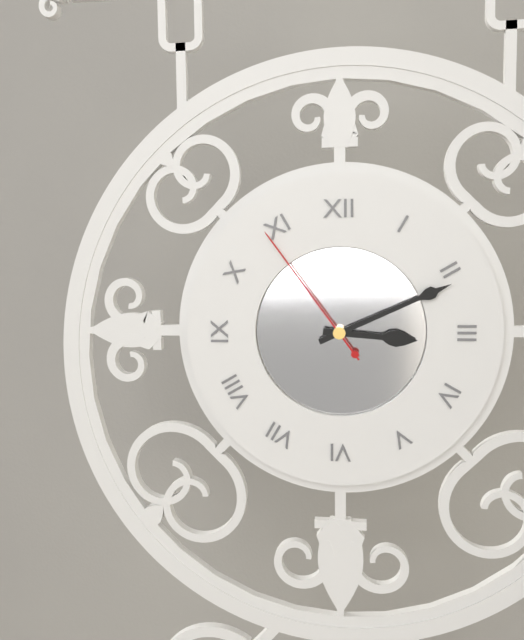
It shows 3 h 11 min 54 s
